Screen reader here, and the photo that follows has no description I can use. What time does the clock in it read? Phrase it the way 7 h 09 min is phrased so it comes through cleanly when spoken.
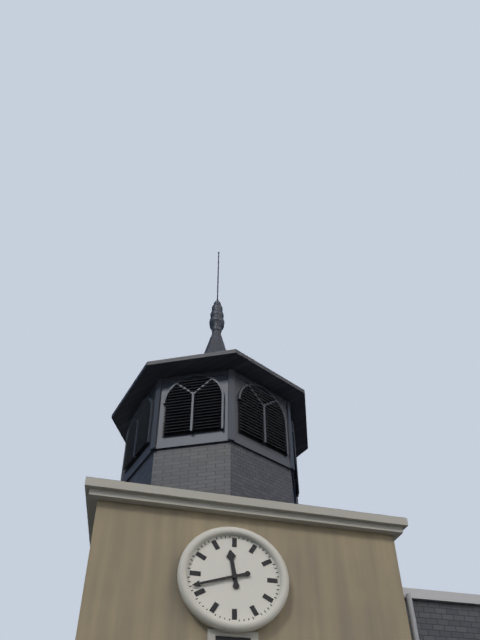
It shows 11 h 42 min
